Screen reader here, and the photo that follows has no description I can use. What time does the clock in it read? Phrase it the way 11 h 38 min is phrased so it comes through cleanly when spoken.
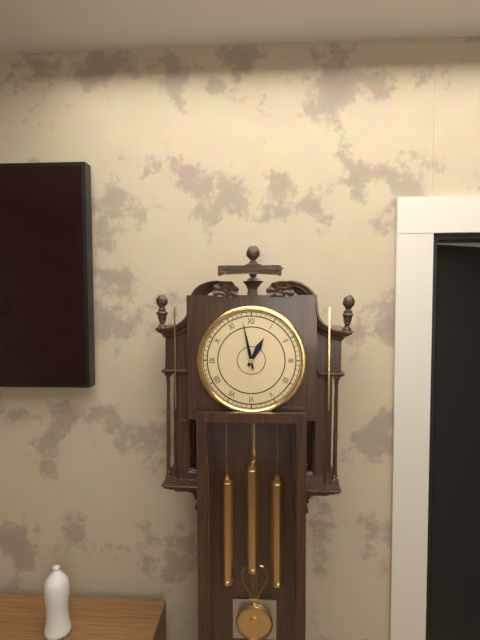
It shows 12 h 58 min
